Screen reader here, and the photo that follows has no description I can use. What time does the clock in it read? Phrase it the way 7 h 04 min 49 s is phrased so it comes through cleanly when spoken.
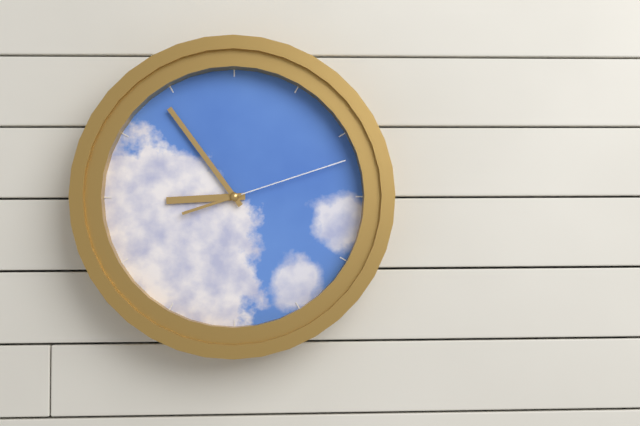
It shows 8 h 54 min 12 s
